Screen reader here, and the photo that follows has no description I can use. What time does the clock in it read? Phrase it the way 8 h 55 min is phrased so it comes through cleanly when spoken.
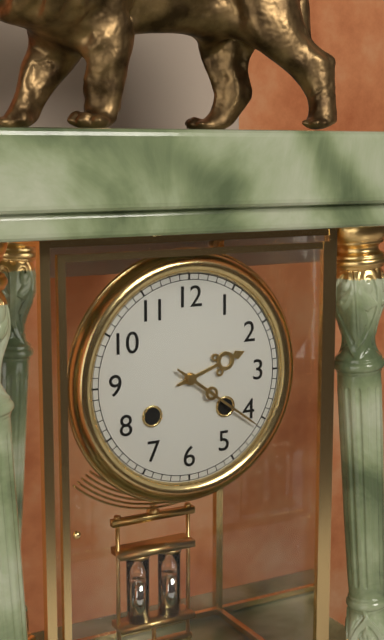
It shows 2 h 21 min
